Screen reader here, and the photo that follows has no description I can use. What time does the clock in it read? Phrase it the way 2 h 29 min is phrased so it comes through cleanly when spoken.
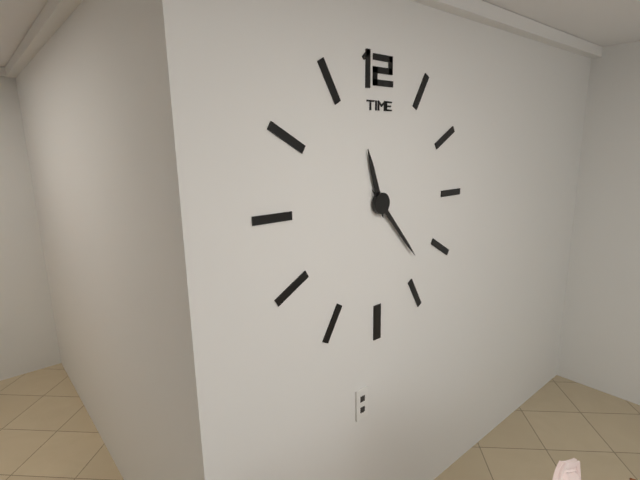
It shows 11 h 23 min
